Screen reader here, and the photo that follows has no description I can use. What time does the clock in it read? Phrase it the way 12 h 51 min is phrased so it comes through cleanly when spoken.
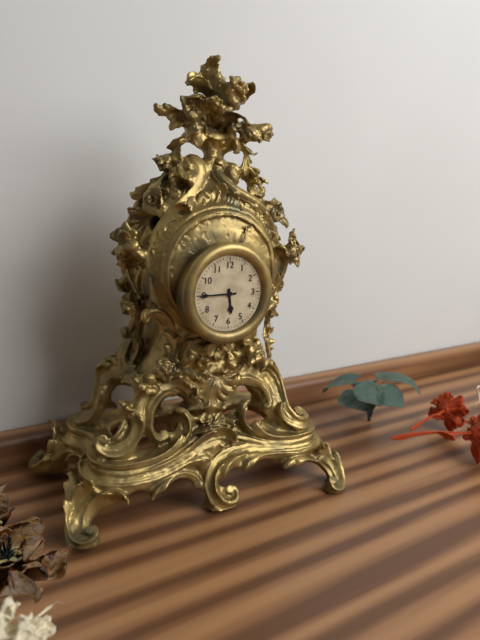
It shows 5 h 45 min
